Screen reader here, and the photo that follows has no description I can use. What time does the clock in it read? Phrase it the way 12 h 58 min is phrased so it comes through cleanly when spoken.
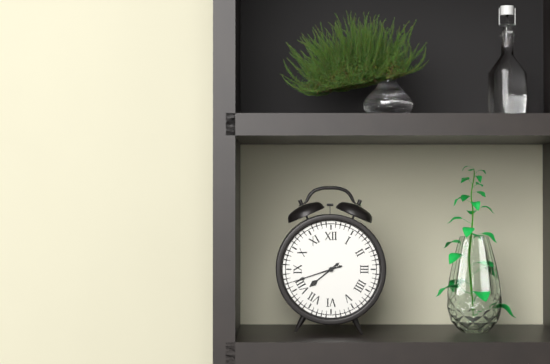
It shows 7 h 42 min
